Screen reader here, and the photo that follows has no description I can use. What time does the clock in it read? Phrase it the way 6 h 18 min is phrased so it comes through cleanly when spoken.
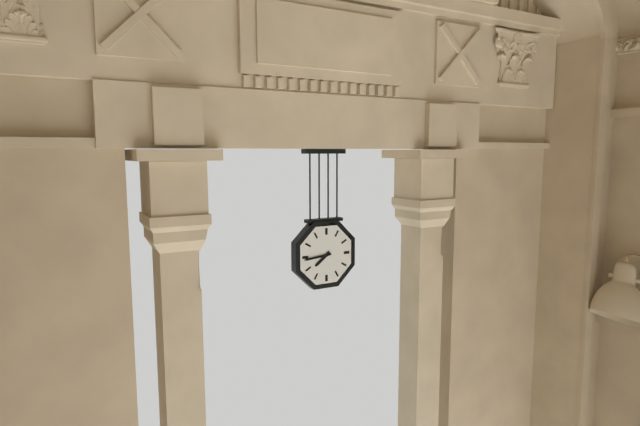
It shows 7 h 44 min
